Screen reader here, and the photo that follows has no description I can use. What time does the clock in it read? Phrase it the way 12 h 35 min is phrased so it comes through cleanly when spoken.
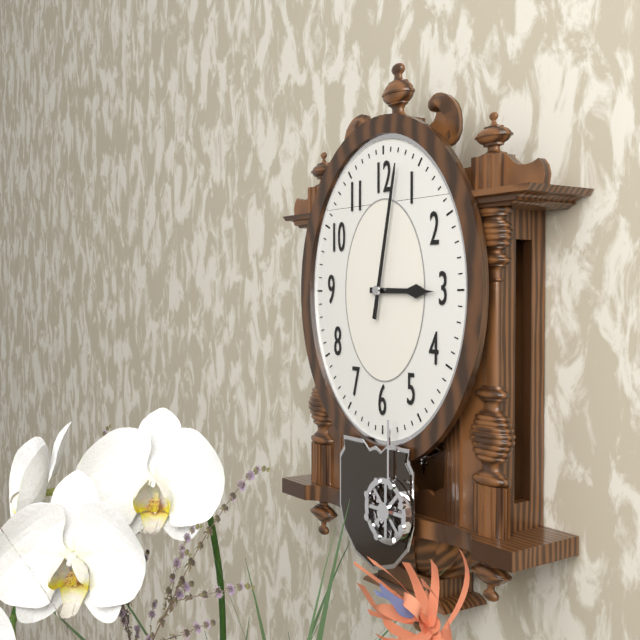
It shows 3 h 02 min
